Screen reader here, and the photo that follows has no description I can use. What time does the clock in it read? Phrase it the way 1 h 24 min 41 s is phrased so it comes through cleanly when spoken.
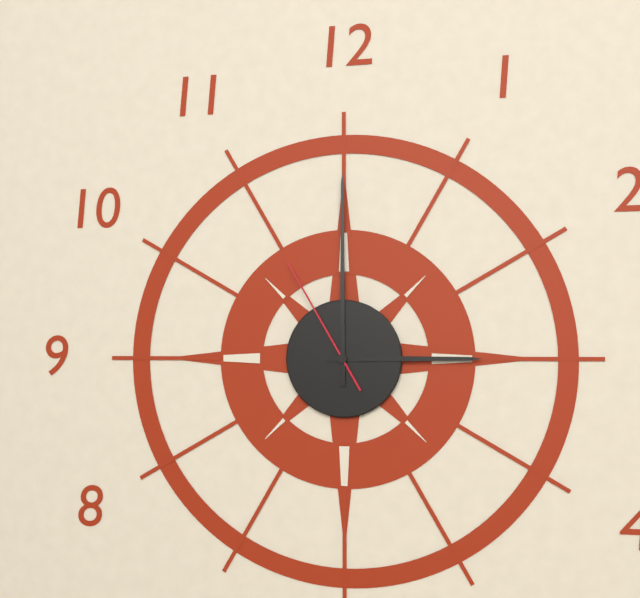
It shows 3 h 00 min 55 s
